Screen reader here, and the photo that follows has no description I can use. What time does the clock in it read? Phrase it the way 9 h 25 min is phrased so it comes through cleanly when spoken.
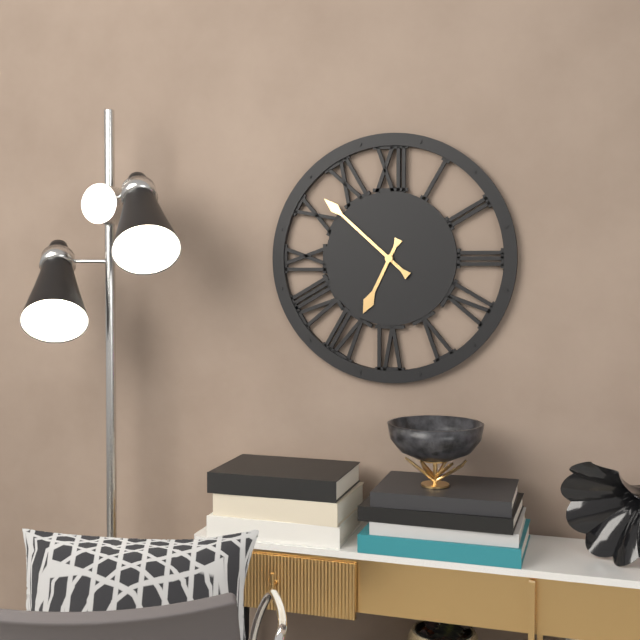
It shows 6 h 52 min
